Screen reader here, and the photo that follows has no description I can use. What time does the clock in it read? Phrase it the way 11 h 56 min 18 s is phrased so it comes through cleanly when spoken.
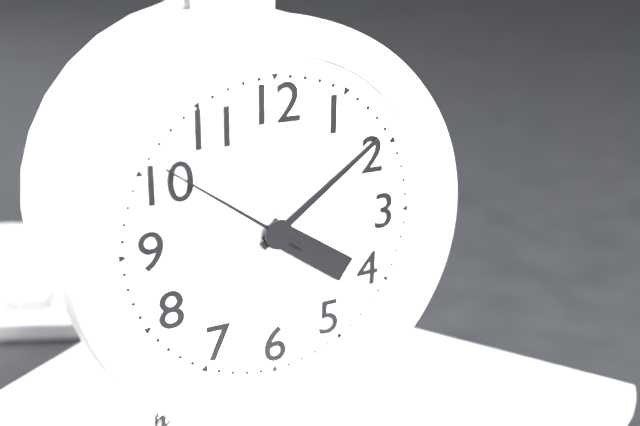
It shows 4 h 09 min 51 s
